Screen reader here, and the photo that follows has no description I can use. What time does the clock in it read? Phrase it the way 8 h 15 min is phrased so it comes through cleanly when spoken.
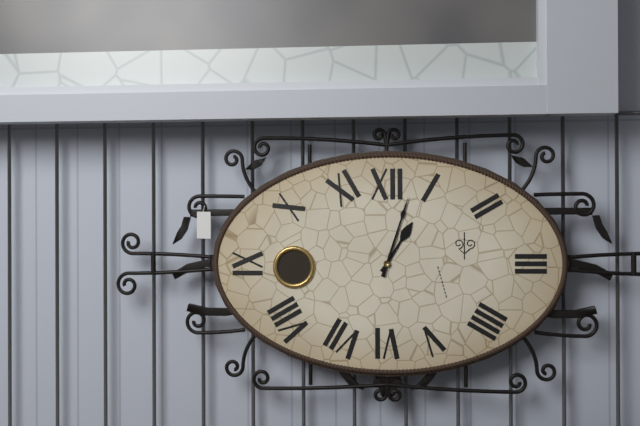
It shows 1 h 03 min
